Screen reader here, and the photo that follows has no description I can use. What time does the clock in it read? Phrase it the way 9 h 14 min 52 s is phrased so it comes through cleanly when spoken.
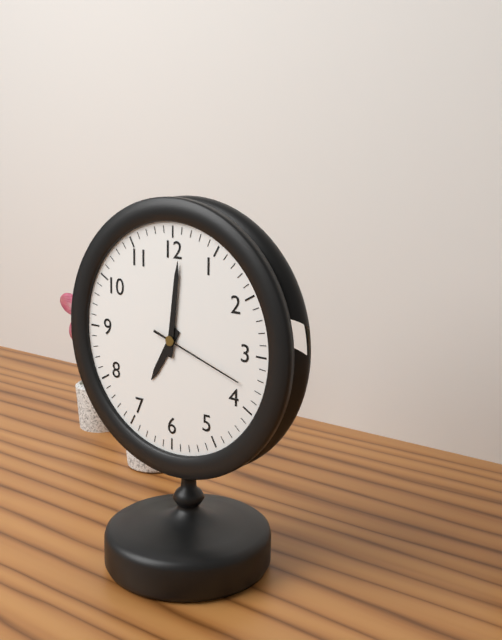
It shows 7 h 01 min 18 s
